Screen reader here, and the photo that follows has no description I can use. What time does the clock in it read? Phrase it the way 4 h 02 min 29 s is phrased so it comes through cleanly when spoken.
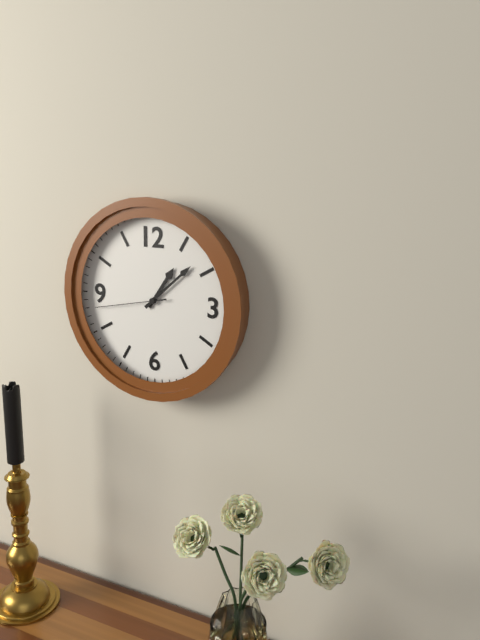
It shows 1 h 08 min 43 s
